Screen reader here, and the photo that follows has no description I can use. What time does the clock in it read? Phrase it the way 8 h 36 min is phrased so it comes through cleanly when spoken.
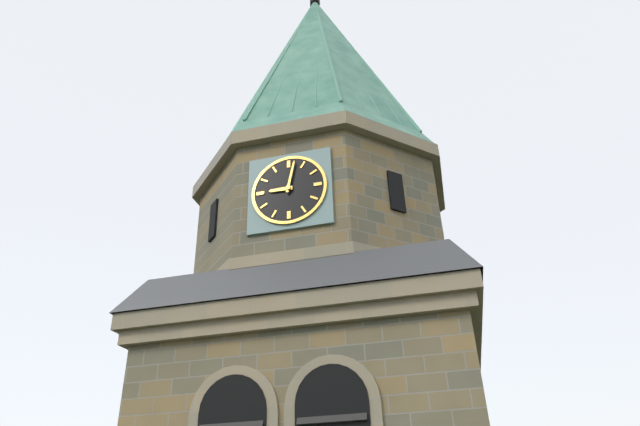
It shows 9 h 02 min
